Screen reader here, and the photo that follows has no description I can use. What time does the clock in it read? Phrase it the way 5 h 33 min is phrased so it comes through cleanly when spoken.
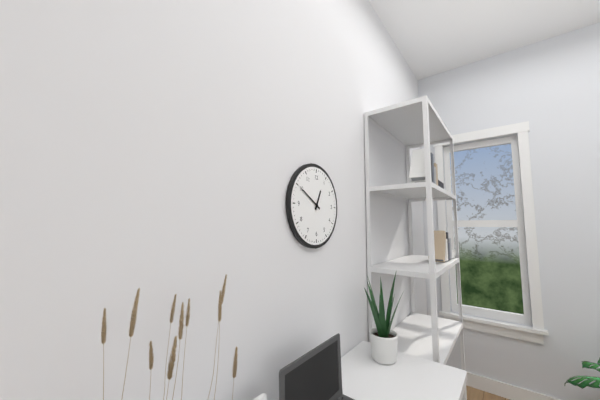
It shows 12 h 50 min
